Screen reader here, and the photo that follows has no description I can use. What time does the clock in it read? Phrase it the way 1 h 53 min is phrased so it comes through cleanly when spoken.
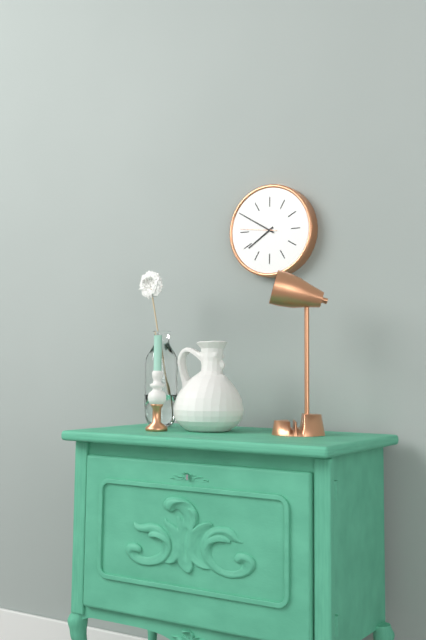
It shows 7 h 50 min
